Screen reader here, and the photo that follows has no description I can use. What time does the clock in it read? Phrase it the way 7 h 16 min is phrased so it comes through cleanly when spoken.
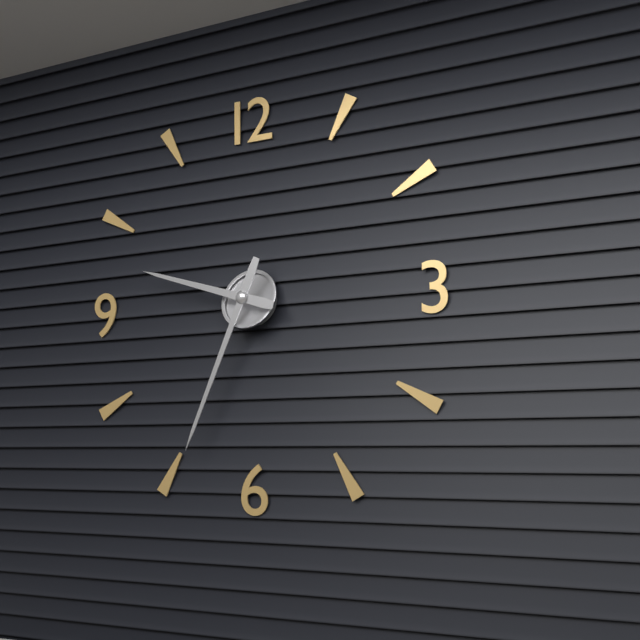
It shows 9 h 34 min
